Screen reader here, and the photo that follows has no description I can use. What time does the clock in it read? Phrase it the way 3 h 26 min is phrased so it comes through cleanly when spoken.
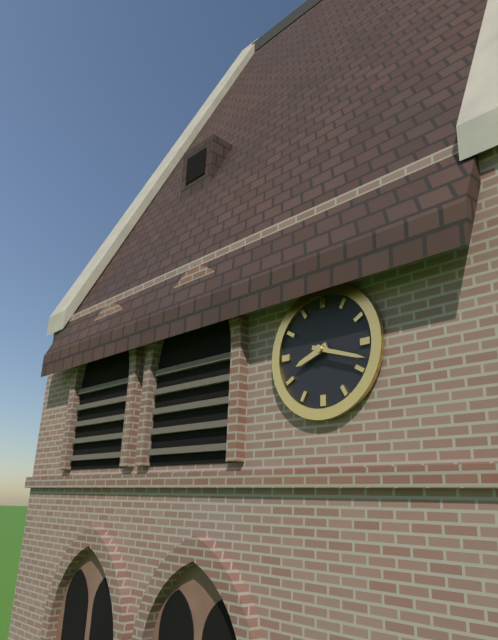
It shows 8 h 18 min
